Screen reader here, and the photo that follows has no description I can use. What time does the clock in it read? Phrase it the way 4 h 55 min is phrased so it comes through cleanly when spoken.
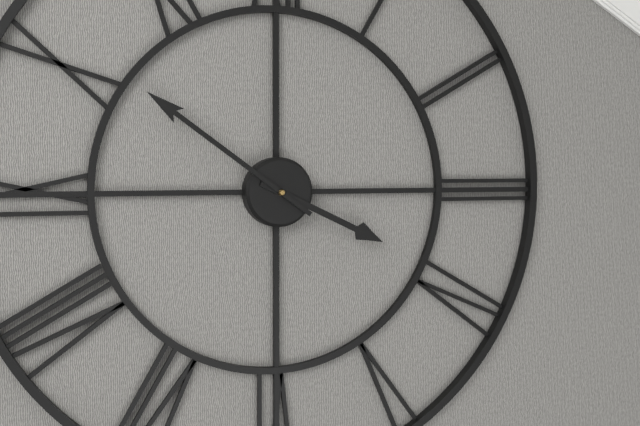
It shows 3 h 51 min
